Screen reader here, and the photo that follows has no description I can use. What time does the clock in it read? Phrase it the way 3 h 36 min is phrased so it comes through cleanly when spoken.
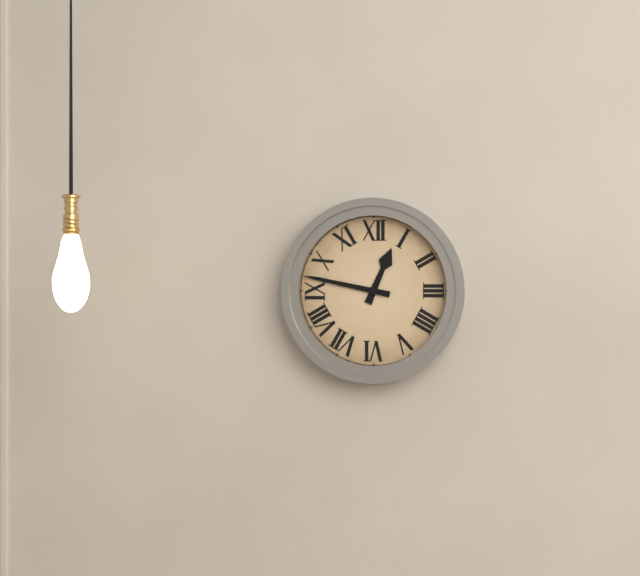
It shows 12 h 47 min
